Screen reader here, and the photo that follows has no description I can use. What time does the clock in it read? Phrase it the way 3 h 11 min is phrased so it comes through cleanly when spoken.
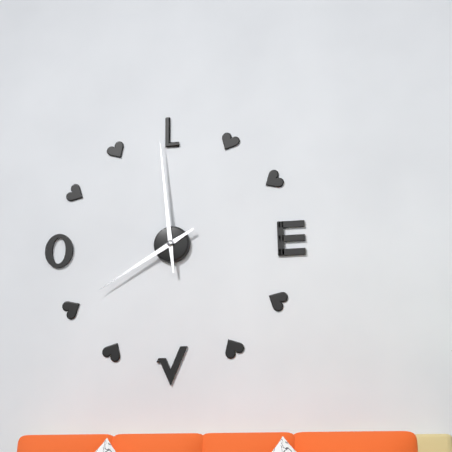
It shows 7 h 59 min
